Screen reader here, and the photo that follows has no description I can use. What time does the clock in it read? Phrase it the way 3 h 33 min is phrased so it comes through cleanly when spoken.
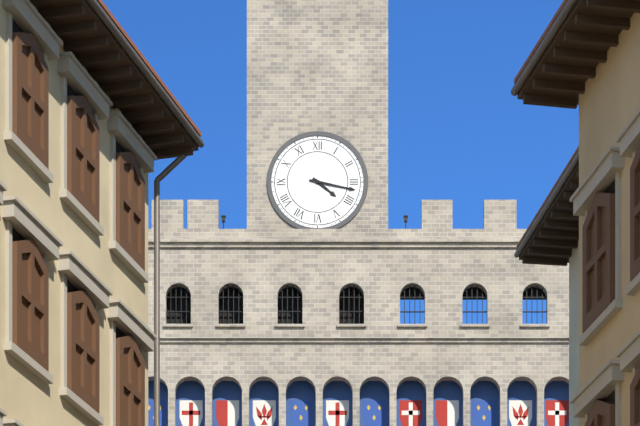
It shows 4 h 17 min
